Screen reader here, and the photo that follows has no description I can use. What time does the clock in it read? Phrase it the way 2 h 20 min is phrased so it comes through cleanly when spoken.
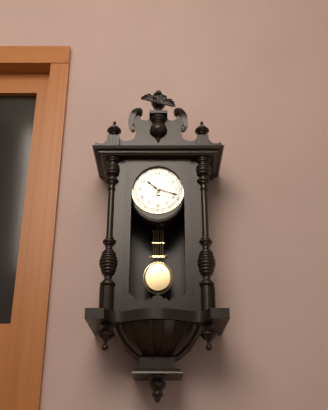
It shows 10 h 18 min
